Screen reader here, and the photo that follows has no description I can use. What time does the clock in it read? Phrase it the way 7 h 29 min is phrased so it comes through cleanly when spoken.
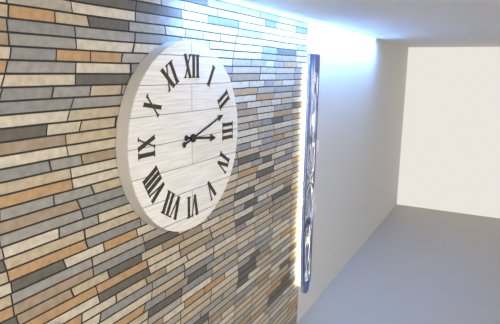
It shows 3 h 12 min
